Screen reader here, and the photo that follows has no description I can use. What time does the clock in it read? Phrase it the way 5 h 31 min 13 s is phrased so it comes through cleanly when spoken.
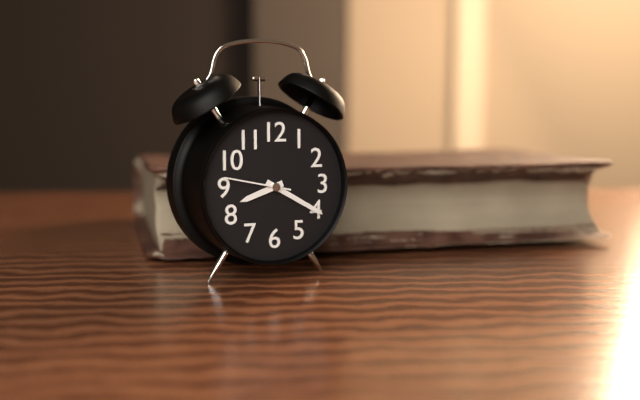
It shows 8 h 20 min 47 s
